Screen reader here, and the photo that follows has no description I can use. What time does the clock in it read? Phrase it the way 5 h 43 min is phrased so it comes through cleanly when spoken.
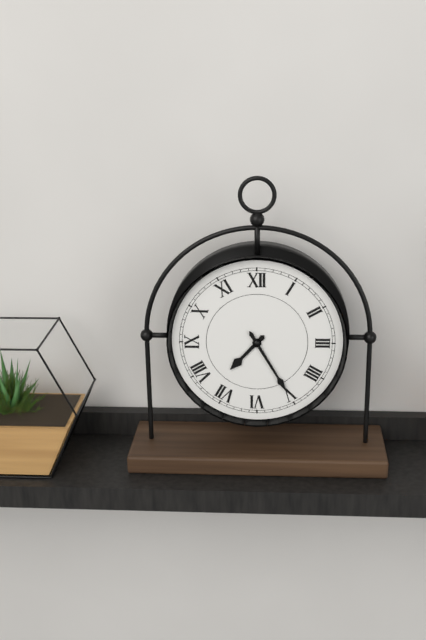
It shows 7 h 25 min
